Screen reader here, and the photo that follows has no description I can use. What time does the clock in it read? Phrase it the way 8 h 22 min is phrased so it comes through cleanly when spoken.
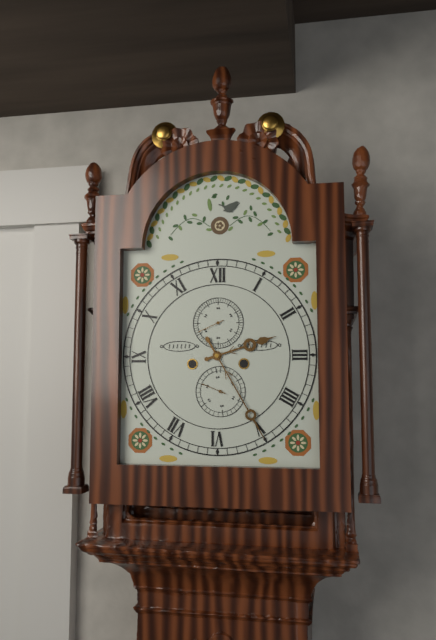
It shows 2 h 25 min
